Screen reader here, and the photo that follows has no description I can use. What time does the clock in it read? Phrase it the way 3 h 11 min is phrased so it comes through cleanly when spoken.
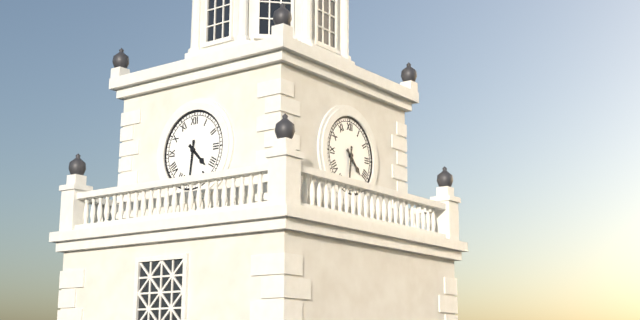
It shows 4 h 31 min
